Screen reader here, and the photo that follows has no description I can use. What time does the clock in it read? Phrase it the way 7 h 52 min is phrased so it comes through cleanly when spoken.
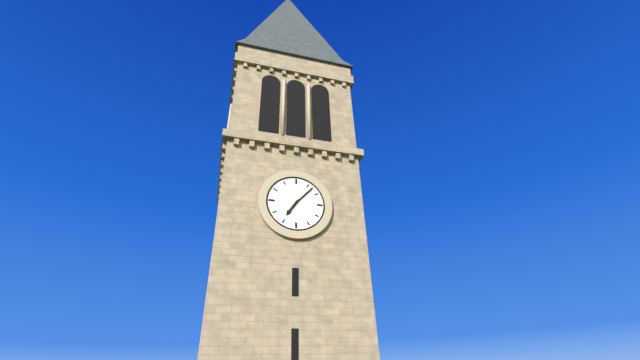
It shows 7 h 07 min
